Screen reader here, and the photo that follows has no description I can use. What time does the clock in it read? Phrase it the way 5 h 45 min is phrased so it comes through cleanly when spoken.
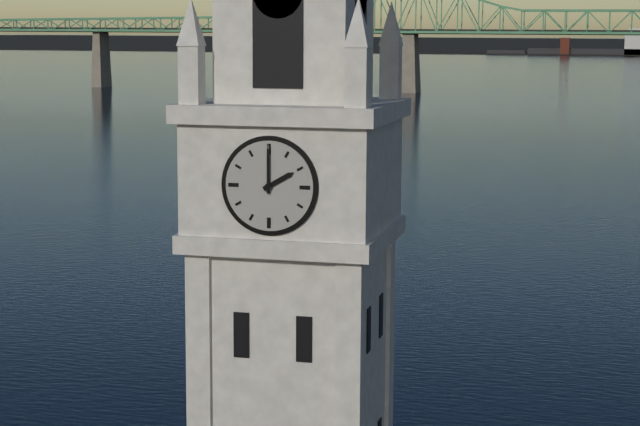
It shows 2 h 00 min
